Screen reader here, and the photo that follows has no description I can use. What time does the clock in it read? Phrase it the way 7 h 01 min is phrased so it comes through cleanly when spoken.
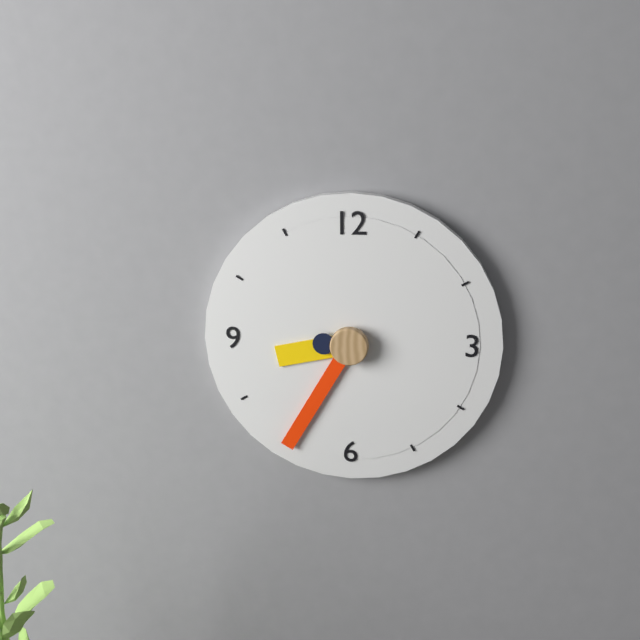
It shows 8 h 35 min
